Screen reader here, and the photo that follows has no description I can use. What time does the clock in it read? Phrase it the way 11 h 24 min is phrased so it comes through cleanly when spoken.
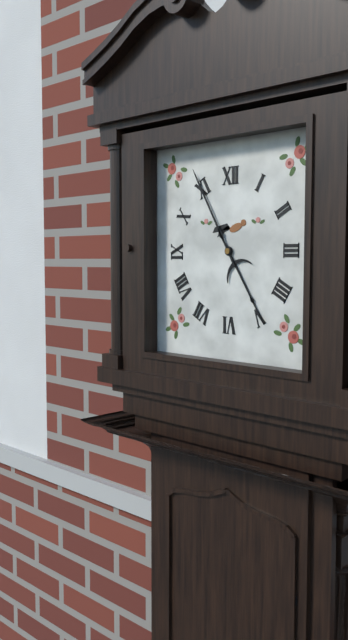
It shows 4 h 55 min
